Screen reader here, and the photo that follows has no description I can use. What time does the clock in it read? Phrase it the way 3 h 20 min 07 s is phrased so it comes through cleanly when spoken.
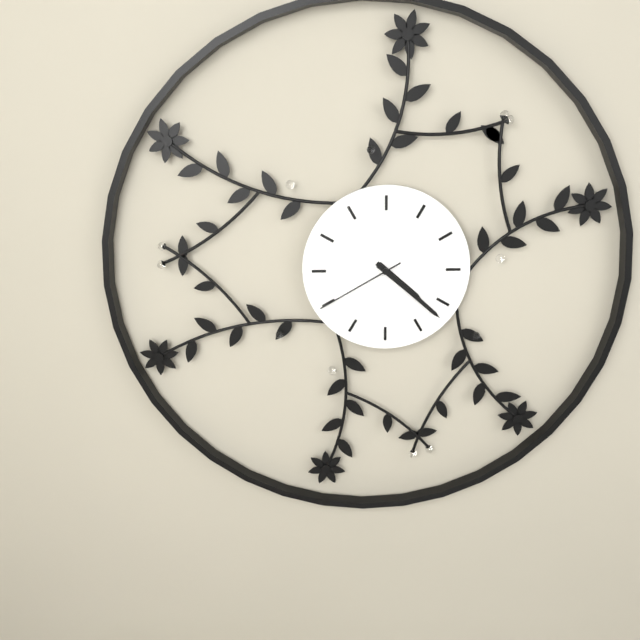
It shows 4 h 22 min 40 s
